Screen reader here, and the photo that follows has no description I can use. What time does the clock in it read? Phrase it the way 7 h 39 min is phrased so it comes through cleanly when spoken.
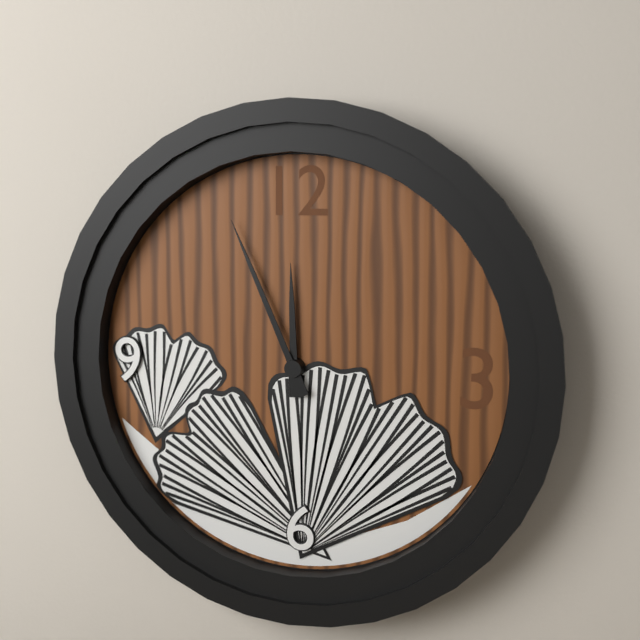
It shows 11 h 56 min
